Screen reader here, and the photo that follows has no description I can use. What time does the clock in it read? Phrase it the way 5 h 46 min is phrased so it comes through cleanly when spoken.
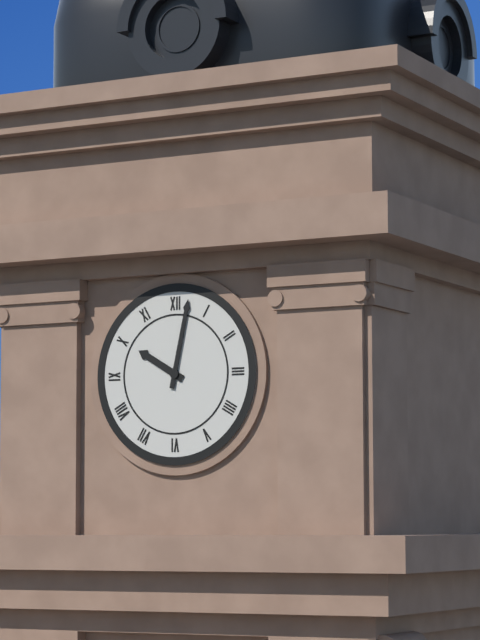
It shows 10 h 02 min
